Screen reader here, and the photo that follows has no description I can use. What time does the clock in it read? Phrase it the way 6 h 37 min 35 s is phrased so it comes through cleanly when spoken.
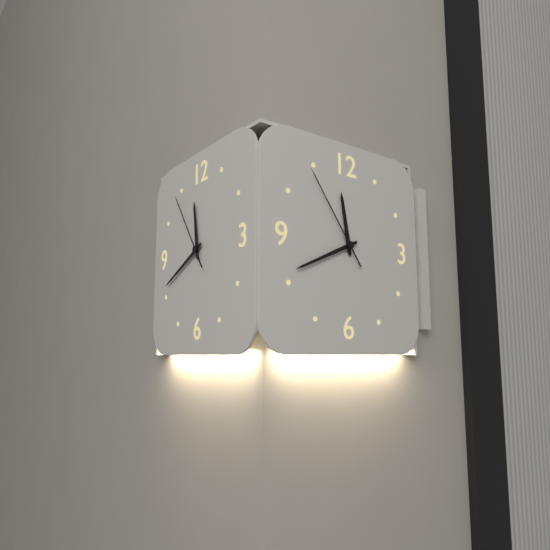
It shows 11 h 41 min 54 s
